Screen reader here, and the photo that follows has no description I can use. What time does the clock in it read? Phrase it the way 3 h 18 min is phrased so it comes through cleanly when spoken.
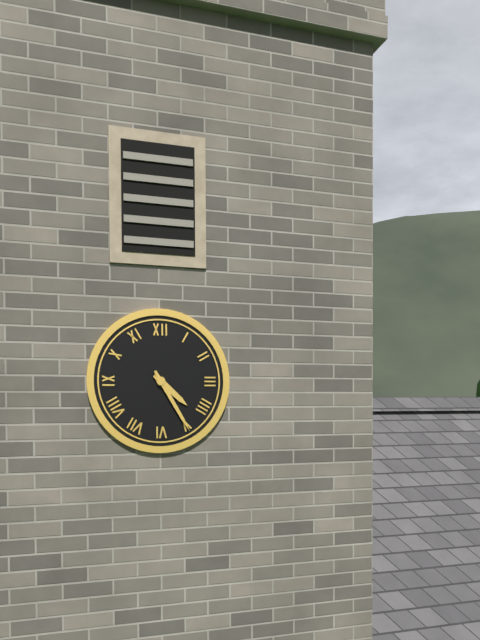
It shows 4 h 25 min
